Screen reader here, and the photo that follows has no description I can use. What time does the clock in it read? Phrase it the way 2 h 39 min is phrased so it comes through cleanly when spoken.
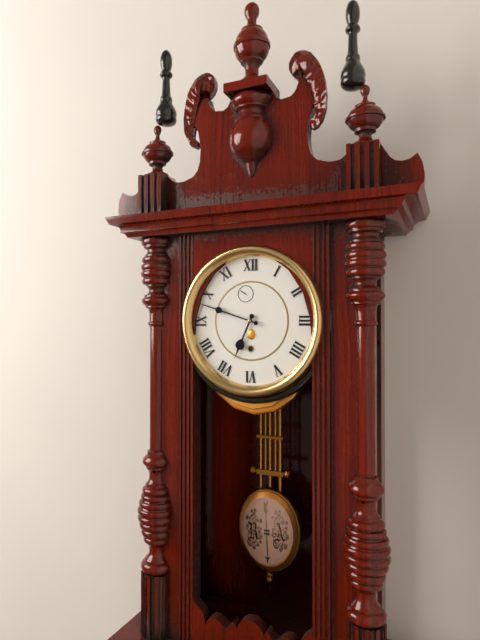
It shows 6 h 48 min
